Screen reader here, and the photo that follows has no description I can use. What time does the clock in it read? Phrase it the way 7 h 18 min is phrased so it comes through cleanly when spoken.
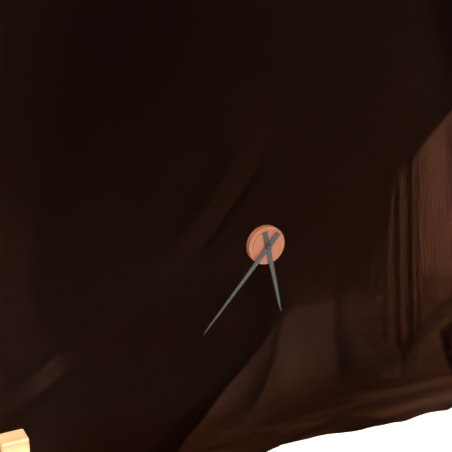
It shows 5 h 37 min
